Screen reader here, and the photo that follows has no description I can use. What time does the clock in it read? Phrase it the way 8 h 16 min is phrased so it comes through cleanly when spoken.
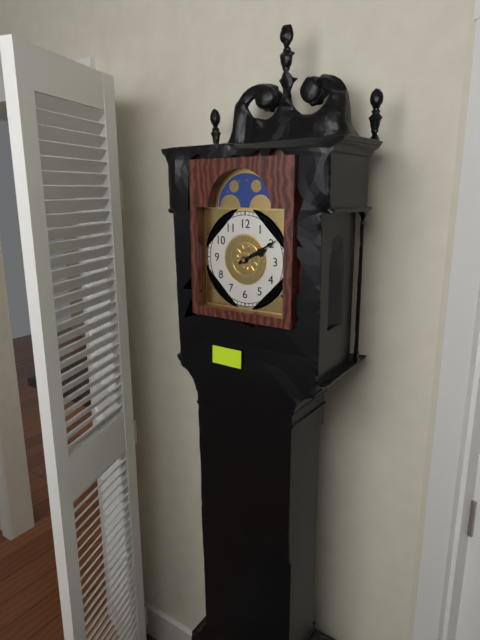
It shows 2 h 10 min
